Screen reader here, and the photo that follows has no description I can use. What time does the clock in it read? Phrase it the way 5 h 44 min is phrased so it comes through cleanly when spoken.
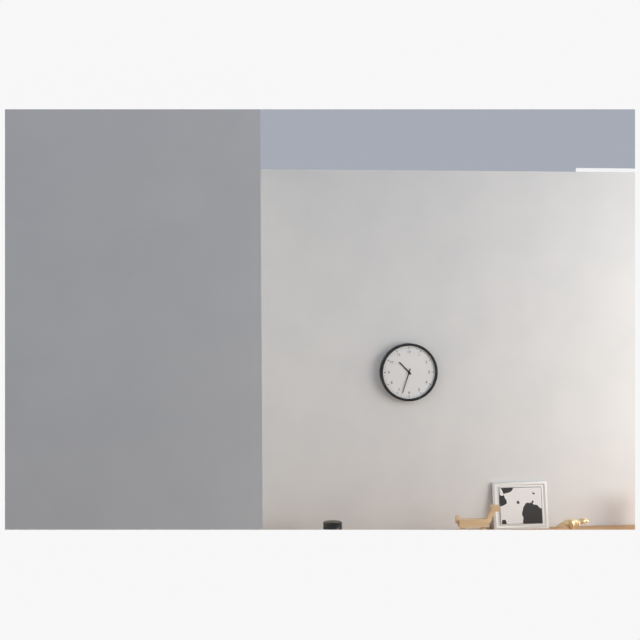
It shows 10 h 33 min
